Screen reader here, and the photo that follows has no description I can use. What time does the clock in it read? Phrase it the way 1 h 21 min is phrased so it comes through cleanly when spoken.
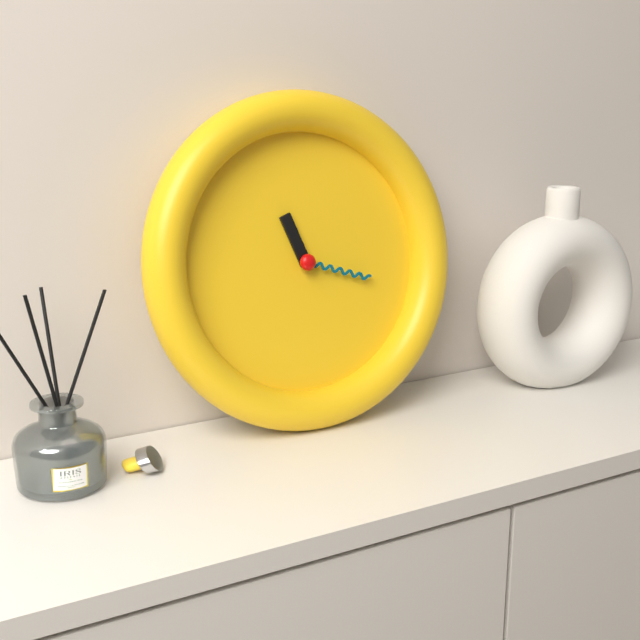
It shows 11 h 18 min
